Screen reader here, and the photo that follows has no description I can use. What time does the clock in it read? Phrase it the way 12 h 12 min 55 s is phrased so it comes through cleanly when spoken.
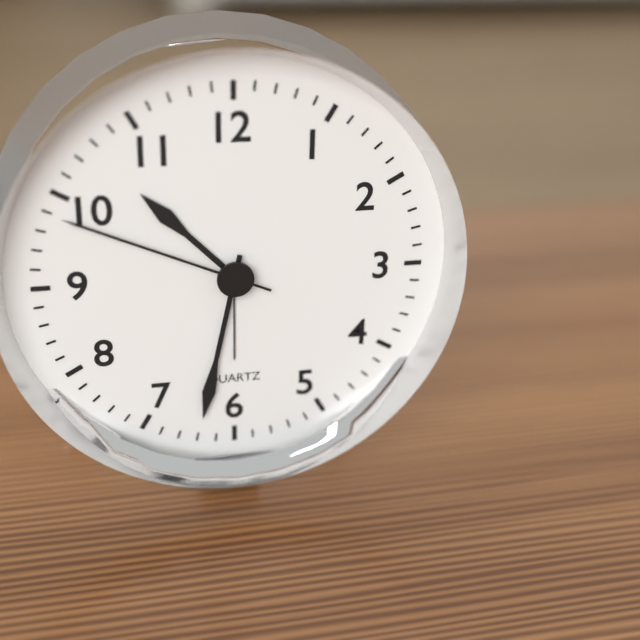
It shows 10 h 32 min 49 s
